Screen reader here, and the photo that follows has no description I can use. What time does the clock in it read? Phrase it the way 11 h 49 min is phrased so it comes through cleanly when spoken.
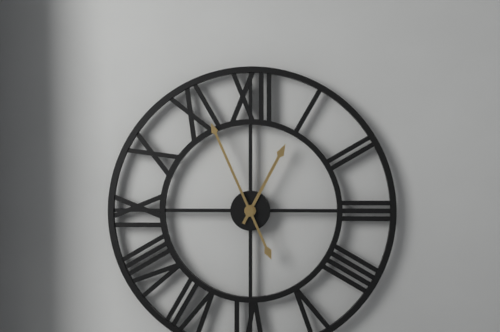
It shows 12 h 56 min
